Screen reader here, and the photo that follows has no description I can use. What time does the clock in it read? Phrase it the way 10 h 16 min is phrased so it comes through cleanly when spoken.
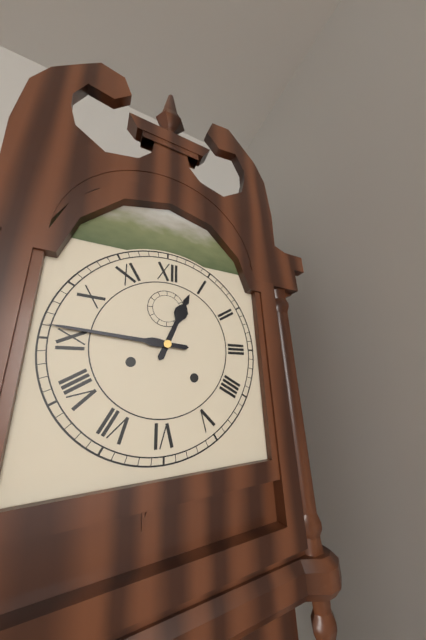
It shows 12 h 46 min
